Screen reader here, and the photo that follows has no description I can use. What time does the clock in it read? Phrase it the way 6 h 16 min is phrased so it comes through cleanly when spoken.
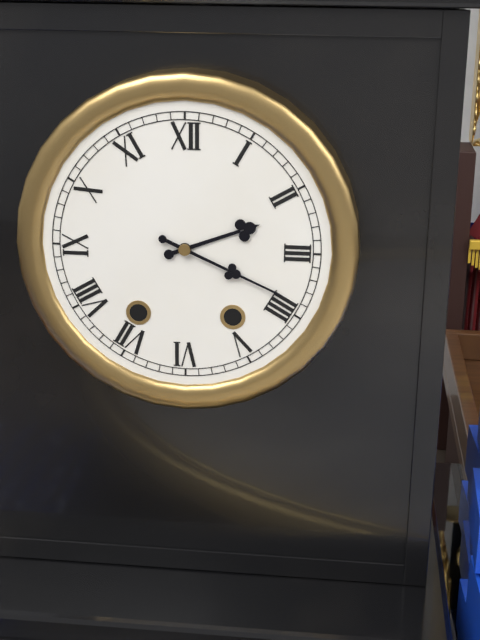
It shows 2 h 19 min
